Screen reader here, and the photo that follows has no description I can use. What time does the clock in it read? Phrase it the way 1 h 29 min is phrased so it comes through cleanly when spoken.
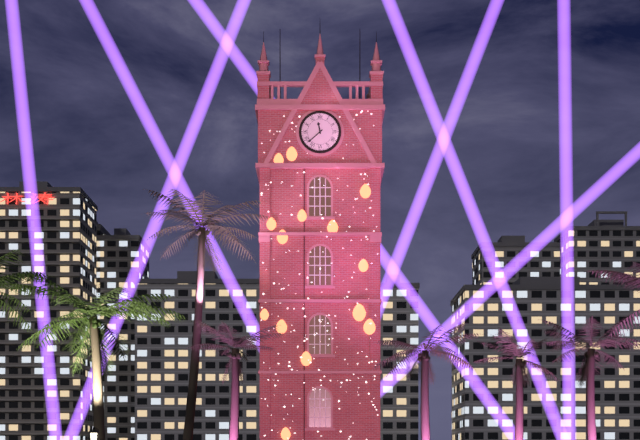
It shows 11 h 38 min
